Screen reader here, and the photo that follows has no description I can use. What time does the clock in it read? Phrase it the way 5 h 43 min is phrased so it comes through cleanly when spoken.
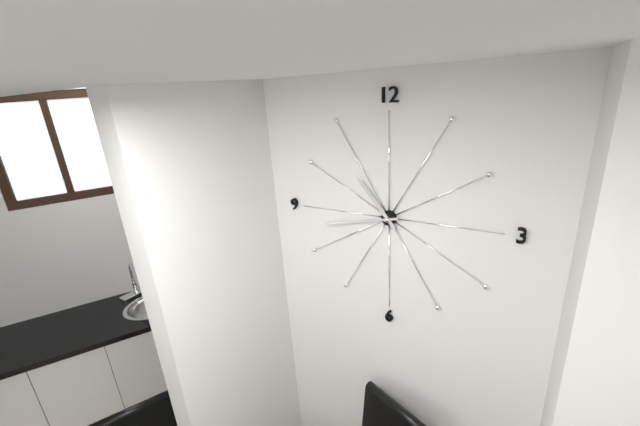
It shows 10 h 43 min
